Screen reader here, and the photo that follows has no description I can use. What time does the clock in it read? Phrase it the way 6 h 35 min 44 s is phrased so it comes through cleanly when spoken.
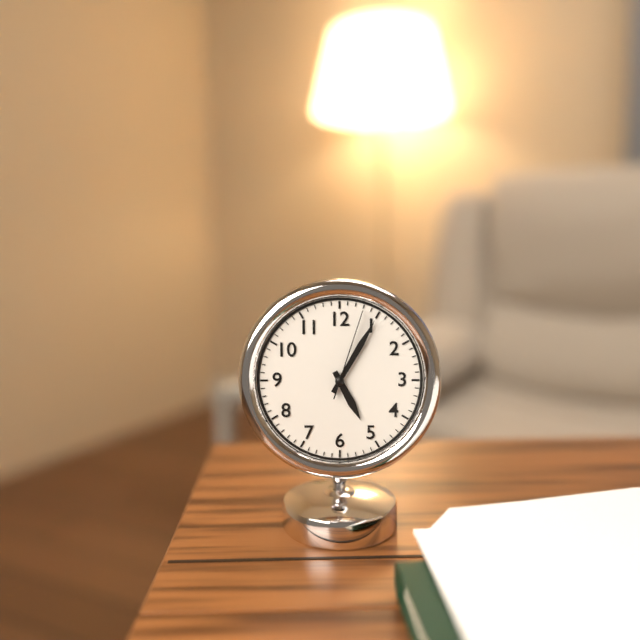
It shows 5 h 05 min 03 s
